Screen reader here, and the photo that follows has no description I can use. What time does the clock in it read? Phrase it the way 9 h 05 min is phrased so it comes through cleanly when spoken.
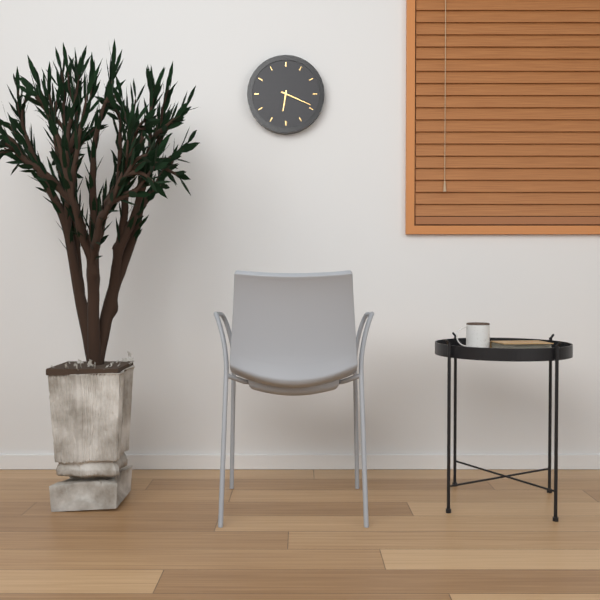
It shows 6 h 19 min
